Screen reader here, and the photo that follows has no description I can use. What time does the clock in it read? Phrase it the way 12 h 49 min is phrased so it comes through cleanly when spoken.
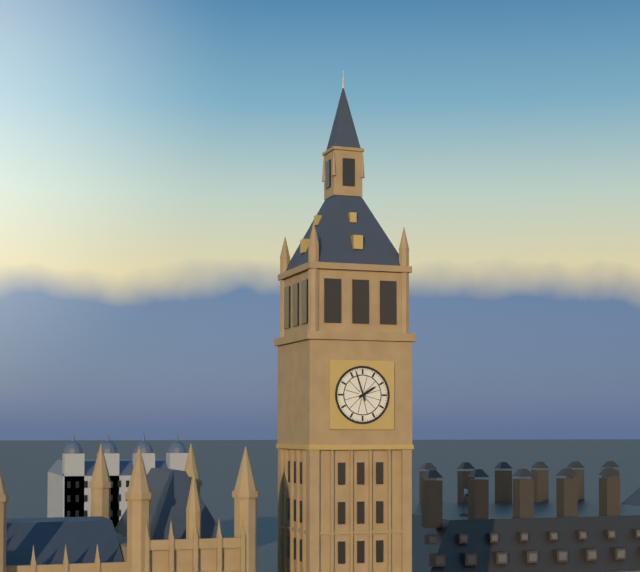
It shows 1 h 57 min
